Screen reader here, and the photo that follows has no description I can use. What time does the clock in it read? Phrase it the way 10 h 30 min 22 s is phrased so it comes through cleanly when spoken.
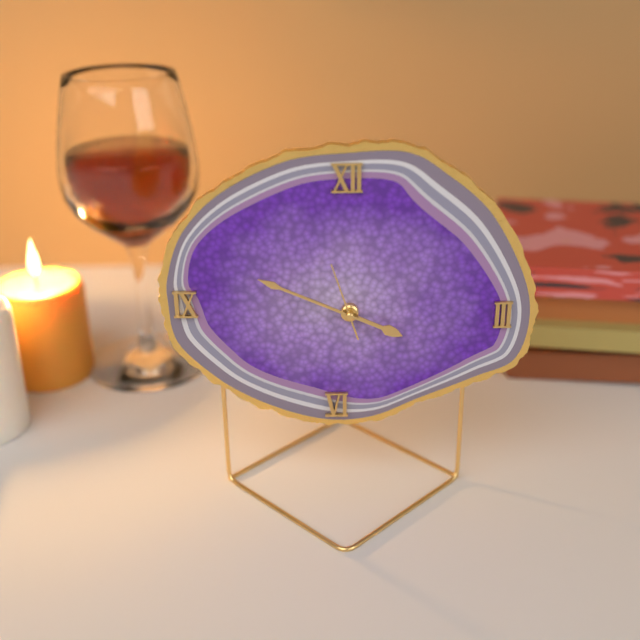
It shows 3 h 49 min 57 s
